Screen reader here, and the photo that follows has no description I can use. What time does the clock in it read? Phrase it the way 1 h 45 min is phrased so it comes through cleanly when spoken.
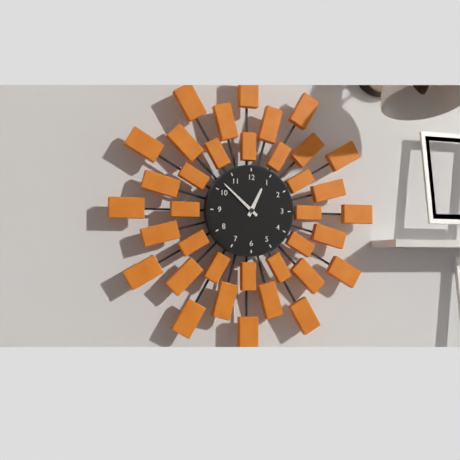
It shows 12 h 52 min
